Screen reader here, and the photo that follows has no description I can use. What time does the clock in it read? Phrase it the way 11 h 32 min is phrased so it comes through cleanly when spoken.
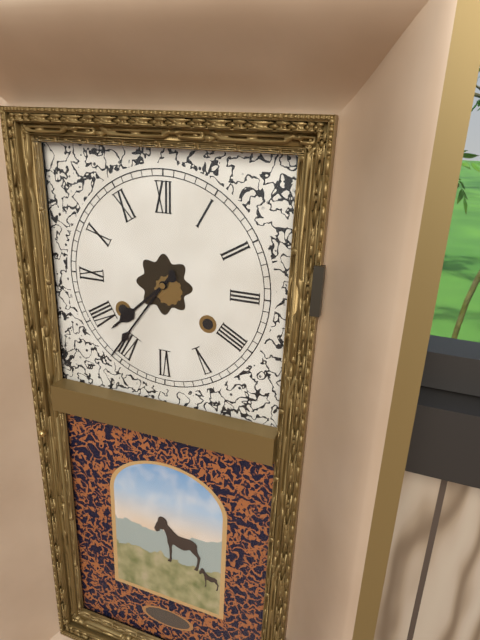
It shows 7 h 36 min
